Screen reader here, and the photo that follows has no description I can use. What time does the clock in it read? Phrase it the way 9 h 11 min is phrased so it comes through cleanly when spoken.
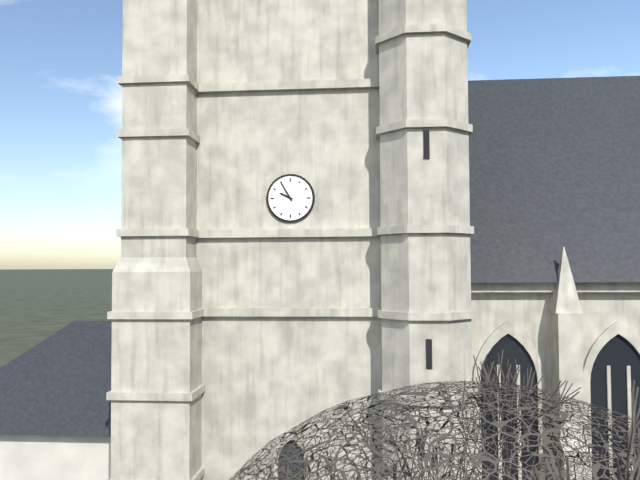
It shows 9 h 55 min
